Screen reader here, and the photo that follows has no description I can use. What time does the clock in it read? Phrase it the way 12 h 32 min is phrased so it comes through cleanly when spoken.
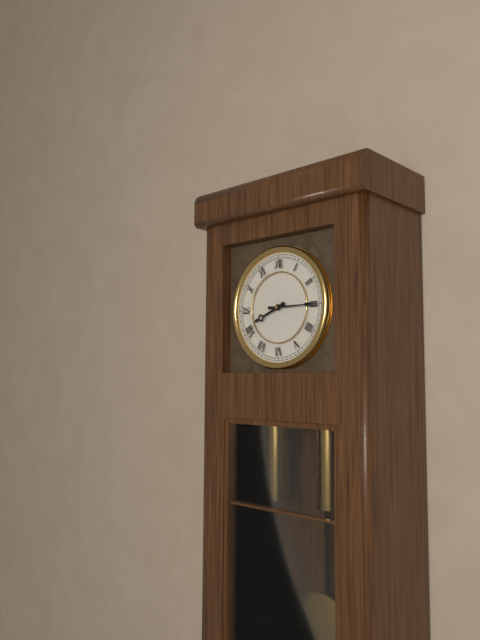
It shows 8 h 15 min
